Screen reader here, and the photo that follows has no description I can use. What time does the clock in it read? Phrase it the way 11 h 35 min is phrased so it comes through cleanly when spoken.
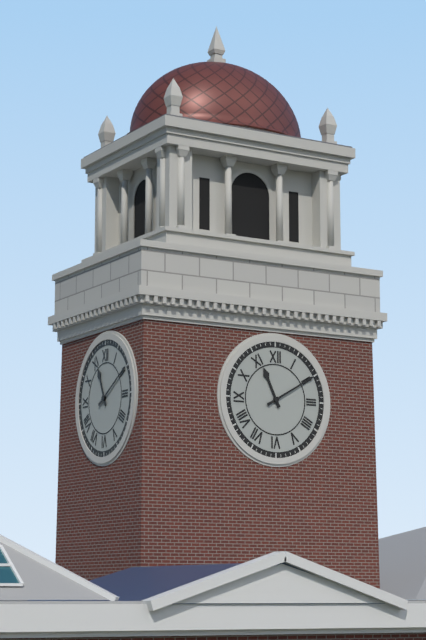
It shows 11 h 10 min
